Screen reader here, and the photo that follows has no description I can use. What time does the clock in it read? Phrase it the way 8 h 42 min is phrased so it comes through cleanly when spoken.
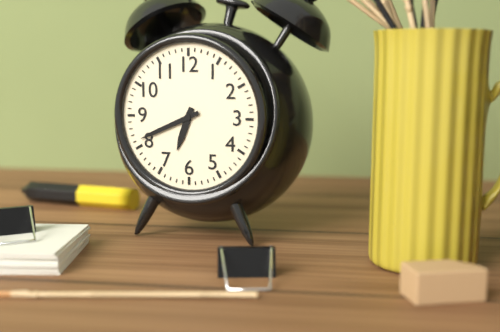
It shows 6 h 41 min
